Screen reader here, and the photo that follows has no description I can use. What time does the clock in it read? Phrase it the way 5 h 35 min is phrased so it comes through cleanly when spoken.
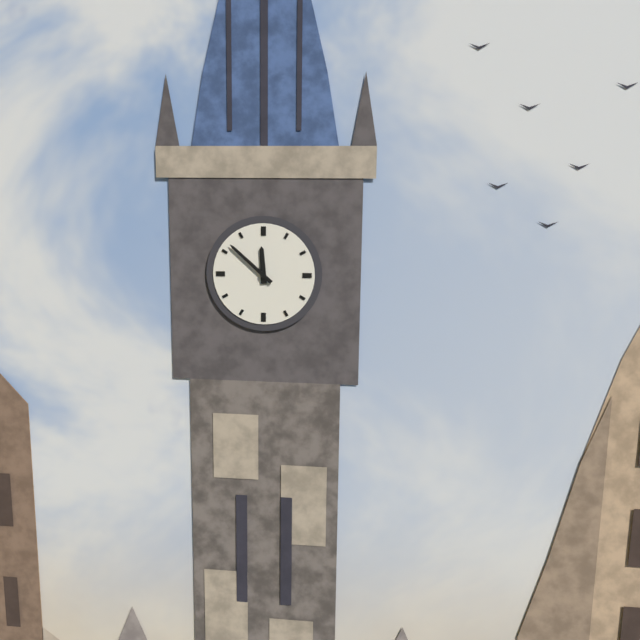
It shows 11 h 52 min
